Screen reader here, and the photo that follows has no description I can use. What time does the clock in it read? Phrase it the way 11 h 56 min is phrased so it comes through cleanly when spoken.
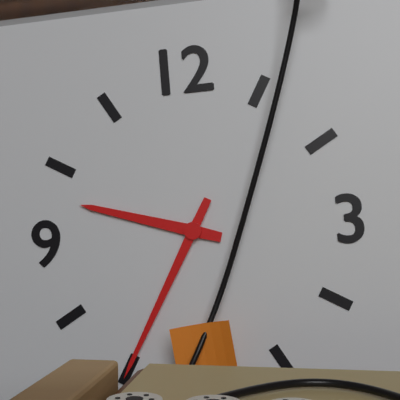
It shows 9 h 35 min
